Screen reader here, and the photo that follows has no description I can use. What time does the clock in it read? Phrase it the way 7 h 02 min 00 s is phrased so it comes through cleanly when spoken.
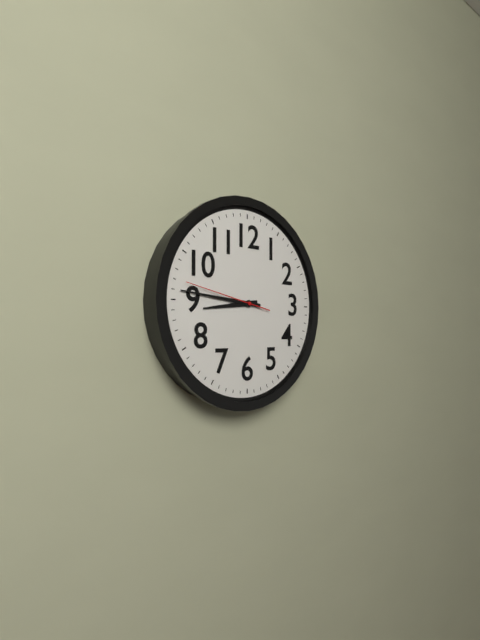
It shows 8 h 46 min 47 s
